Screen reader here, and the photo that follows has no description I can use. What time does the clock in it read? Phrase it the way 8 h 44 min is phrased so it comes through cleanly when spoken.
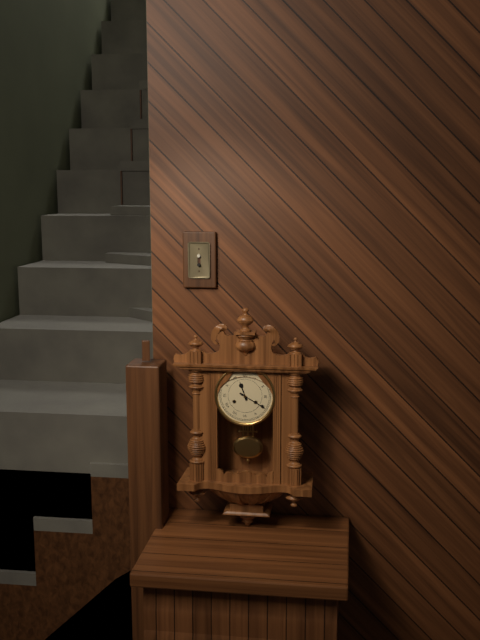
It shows 11 h 20 min
